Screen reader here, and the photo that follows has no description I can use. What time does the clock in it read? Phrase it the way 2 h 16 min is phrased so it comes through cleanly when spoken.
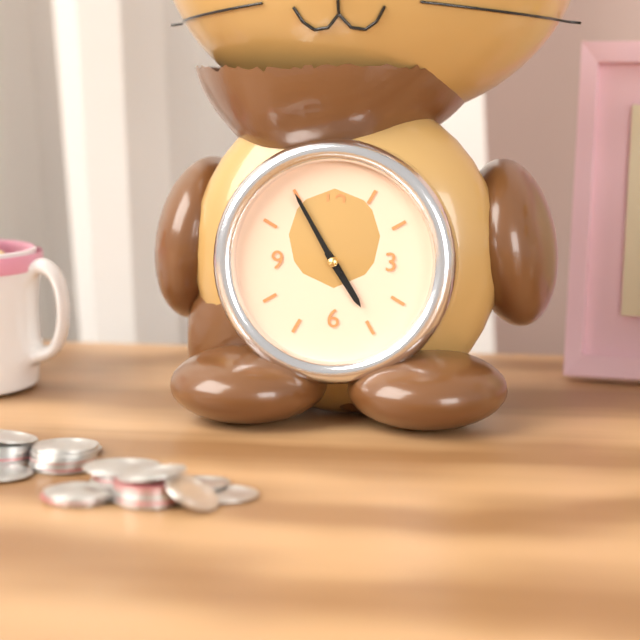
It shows 4 h 55 min
